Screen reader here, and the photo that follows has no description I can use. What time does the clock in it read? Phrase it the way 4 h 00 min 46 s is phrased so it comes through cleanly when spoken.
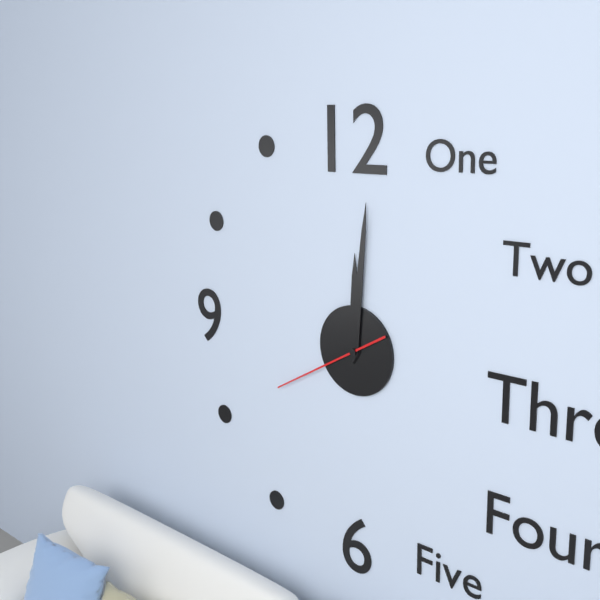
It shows 12 h 01 min 40 s
